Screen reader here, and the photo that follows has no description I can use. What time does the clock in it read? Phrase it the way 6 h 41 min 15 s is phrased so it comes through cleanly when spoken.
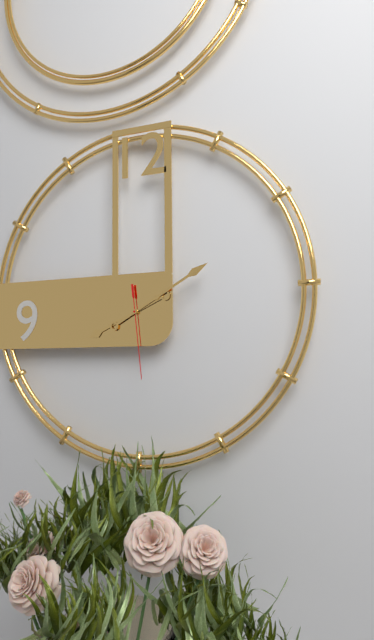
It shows 8 h 10 min 29 s
